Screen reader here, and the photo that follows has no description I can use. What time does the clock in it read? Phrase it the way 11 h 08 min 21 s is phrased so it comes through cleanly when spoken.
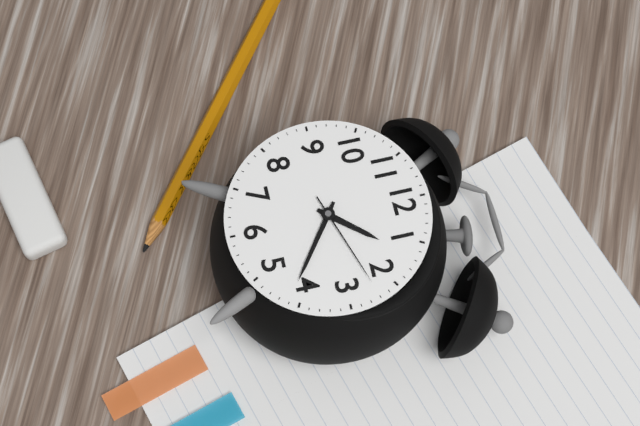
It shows 1 h 21 min 12 s
